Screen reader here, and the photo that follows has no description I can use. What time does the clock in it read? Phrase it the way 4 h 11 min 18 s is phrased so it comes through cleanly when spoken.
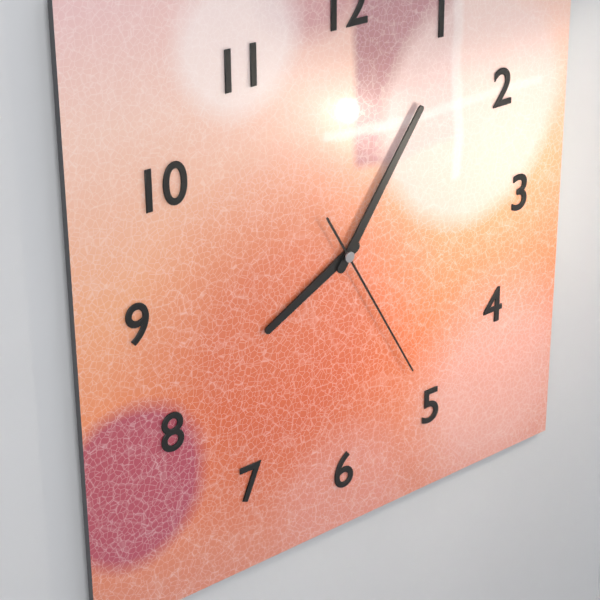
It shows 8 h 06 min 25 s
